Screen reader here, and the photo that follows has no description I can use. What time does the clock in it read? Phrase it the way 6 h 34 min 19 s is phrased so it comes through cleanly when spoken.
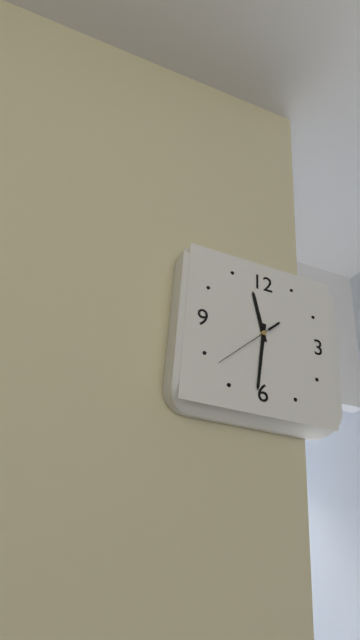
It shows 11 h 31 min 38 s
